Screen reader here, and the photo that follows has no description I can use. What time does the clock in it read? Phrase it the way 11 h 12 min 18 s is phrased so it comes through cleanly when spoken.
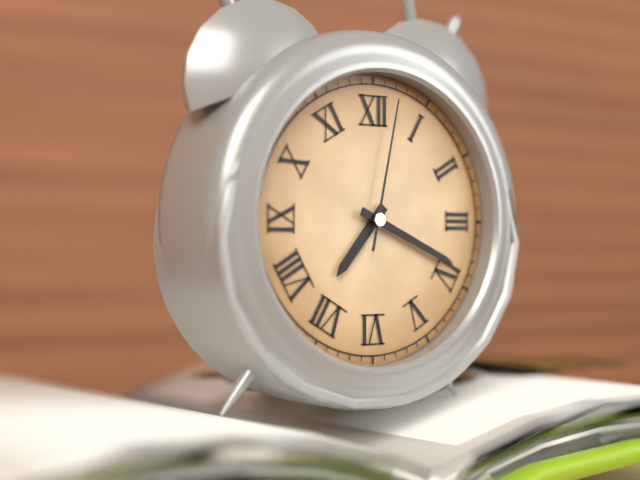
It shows 7 h 19 min 02 s
